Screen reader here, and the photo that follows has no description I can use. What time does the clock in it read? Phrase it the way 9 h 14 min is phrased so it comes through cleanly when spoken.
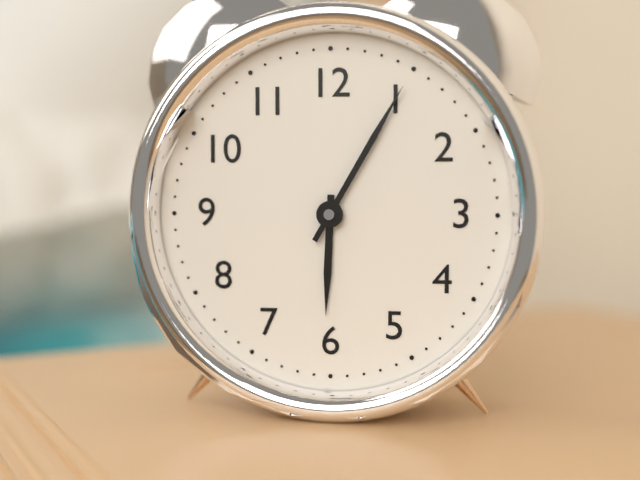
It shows 6 h 05 min
